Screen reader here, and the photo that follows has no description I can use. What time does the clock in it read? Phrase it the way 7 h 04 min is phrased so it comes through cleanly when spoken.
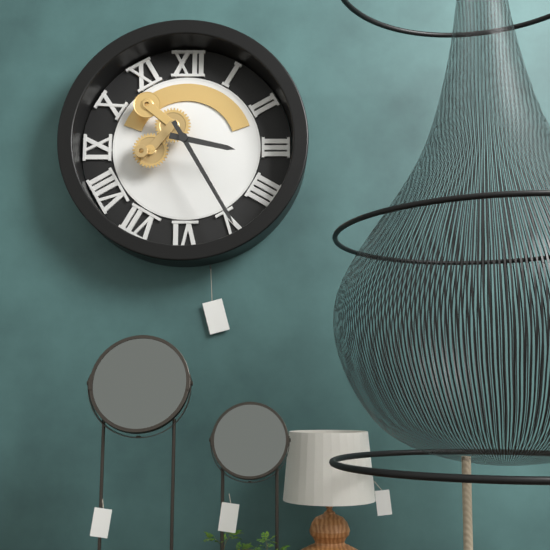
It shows 3 h 25 min
